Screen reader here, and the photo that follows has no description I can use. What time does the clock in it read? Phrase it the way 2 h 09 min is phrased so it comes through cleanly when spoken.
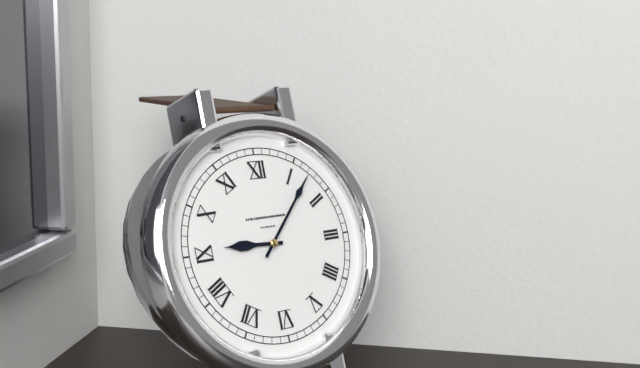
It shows 9 h 07 min
